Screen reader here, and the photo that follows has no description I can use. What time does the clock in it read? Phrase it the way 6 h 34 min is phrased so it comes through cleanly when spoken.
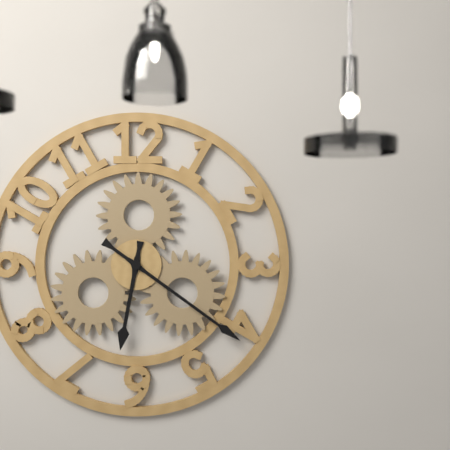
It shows 6 h 21 min
